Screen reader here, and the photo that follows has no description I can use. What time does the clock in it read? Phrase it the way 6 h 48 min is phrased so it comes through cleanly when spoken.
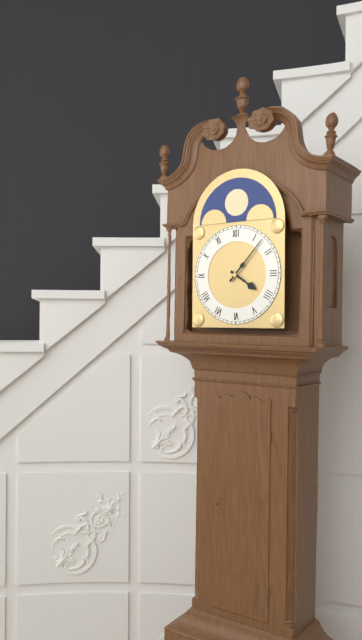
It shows 4 h 07 min
